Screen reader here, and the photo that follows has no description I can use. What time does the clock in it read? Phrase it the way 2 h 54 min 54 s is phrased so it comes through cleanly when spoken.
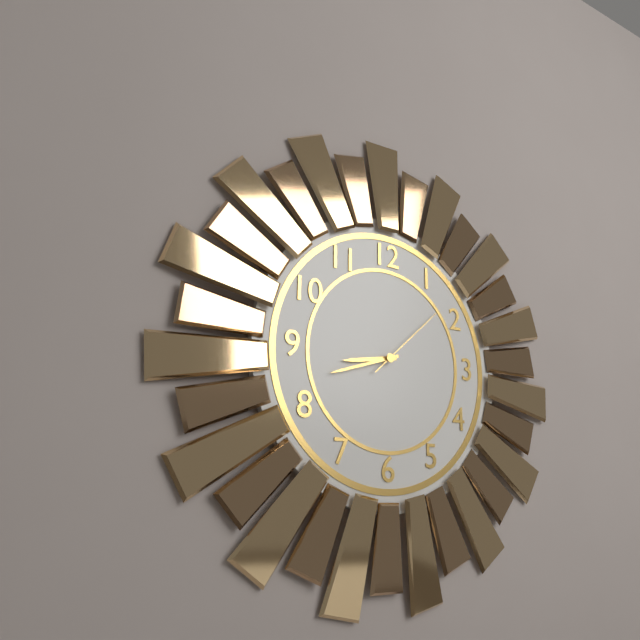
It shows 8 h 42 min 08 s
